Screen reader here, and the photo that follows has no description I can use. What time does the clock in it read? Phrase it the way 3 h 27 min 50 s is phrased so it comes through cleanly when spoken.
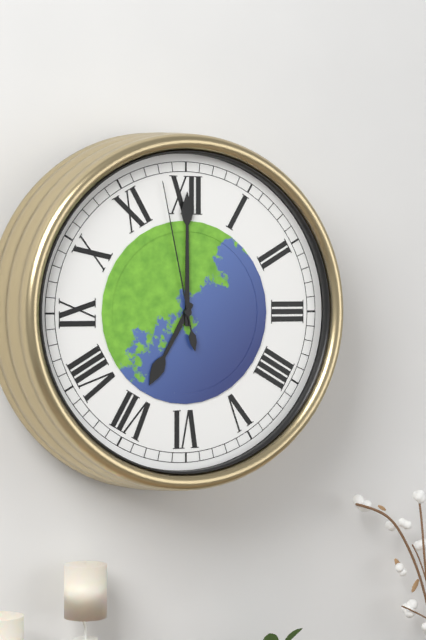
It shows 7 h 00 min 58 s
